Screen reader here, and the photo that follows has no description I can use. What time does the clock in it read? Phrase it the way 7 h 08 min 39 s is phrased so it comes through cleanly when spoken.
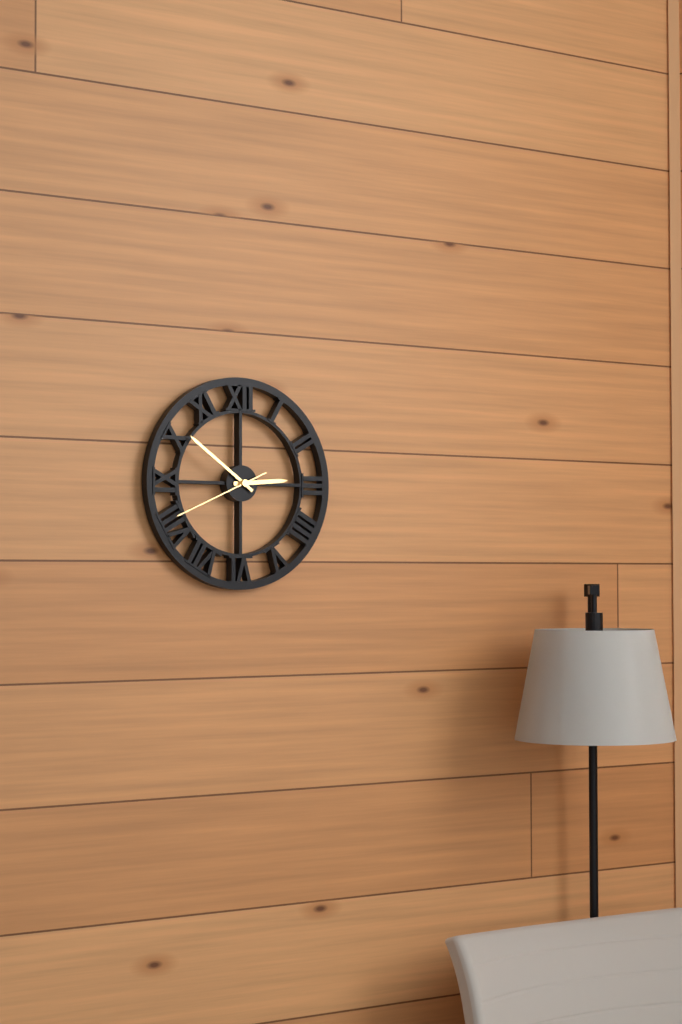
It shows 2 h 51 min 41 s
